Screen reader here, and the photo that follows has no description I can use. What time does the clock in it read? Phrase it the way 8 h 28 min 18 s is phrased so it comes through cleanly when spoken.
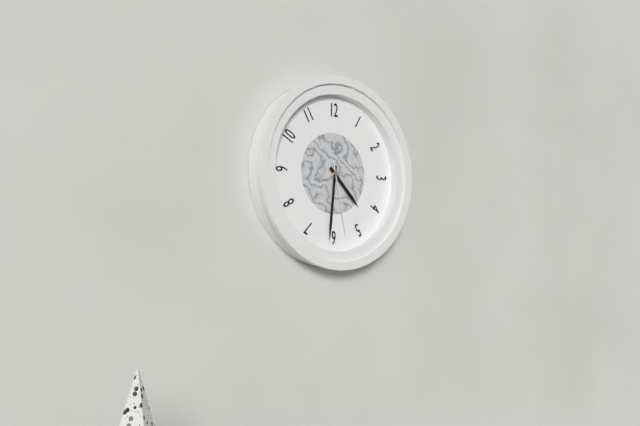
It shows 4 h 31 min 28 s
